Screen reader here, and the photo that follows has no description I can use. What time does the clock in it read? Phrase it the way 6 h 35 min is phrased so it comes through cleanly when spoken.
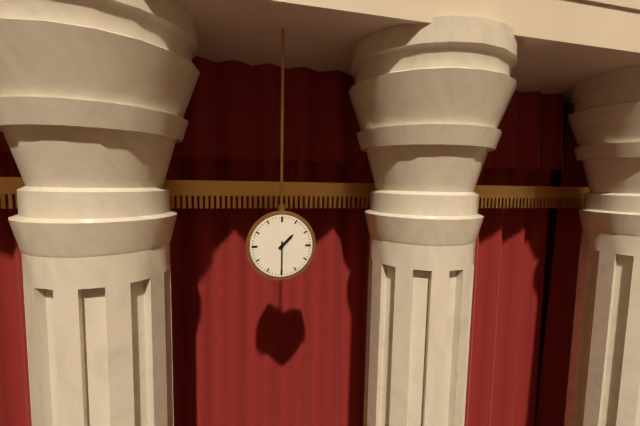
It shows 1 h 30 min
